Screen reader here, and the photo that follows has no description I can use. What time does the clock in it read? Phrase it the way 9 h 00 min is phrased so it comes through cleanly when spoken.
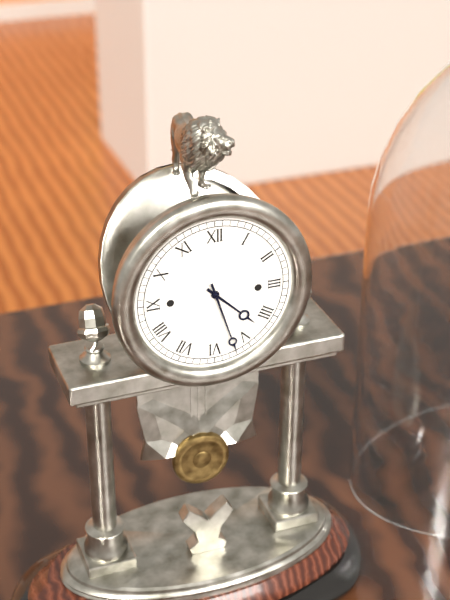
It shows 4 h 27 min
